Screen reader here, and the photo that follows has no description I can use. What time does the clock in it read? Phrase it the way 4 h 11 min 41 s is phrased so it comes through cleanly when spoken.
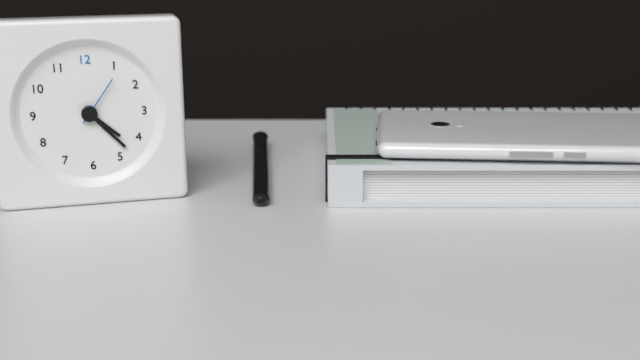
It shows 4 h 23 min 06 s
